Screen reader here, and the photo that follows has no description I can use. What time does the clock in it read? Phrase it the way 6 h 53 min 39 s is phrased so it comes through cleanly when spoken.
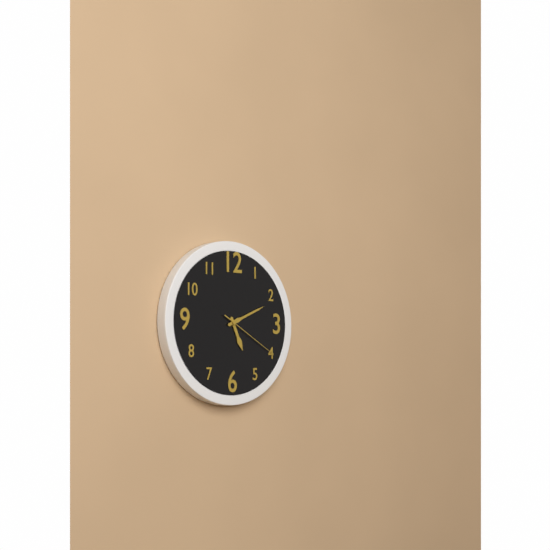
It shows 5 h 11 min 20 s
